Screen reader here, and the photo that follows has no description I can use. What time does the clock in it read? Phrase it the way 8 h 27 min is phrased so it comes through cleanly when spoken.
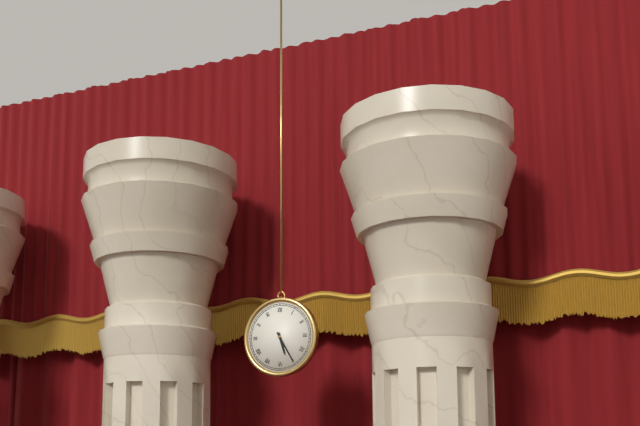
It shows 5 h 25 min
